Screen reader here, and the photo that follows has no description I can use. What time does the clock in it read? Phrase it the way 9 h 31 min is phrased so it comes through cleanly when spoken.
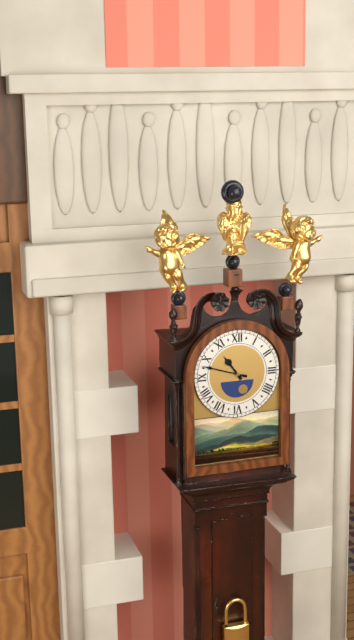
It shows 10 h 48 min
